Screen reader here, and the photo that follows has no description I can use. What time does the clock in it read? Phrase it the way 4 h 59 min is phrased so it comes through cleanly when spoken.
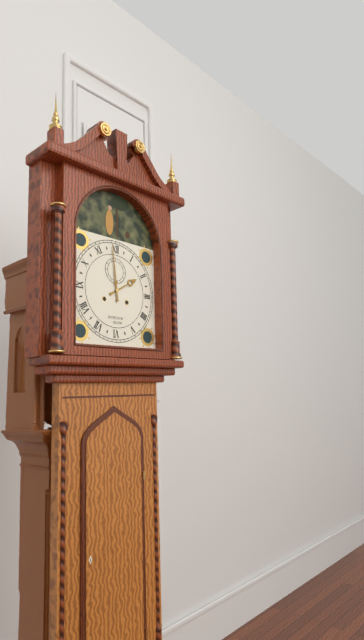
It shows 1 h 59 min
